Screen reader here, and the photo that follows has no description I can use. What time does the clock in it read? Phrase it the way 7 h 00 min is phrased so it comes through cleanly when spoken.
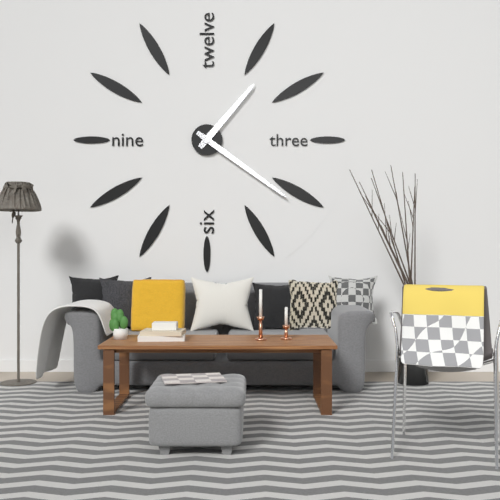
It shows 1 h 21 min
